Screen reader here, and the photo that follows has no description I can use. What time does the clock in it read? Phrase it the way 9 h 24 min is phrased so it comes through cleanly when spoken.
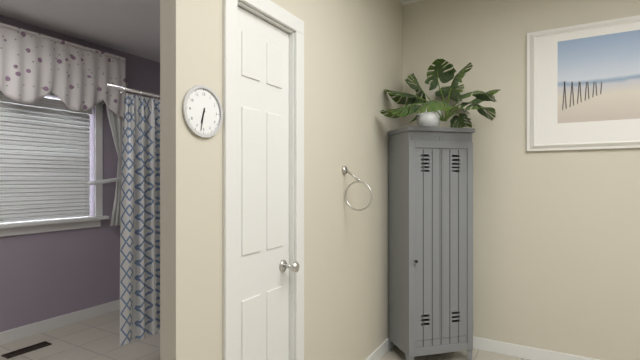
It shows 6 h 32 min
